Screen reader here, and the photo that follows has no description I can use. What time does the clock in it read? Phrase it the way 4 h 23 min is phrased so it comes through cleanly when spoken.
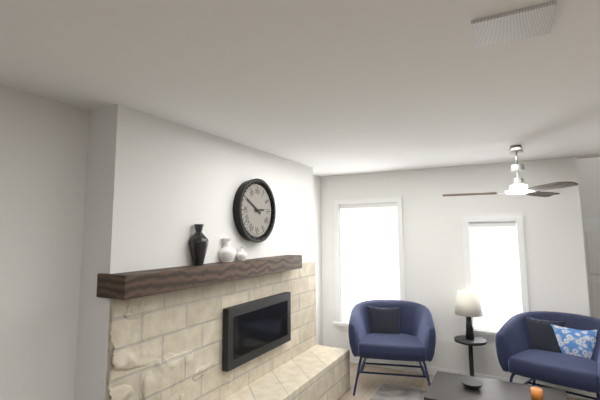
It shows 2 h 50 min
